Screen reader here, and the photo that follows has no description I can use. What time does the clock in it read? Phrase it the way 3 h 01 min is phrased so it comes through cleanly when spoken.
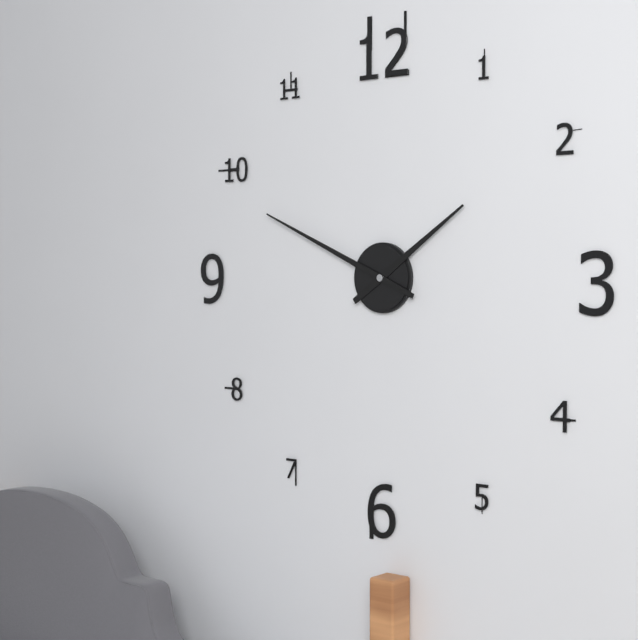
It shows 1 h 49 min
